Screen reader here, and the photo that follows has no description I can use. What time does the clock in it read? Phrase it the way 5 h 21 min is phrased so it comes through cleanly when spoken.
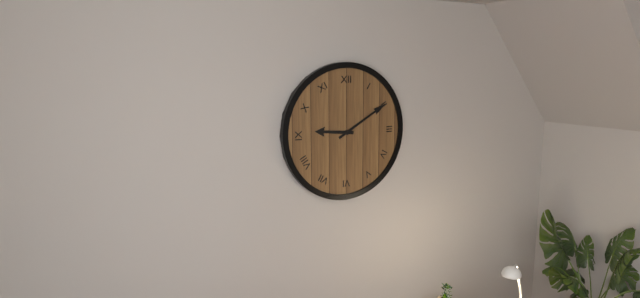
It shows 9 h 10 min
